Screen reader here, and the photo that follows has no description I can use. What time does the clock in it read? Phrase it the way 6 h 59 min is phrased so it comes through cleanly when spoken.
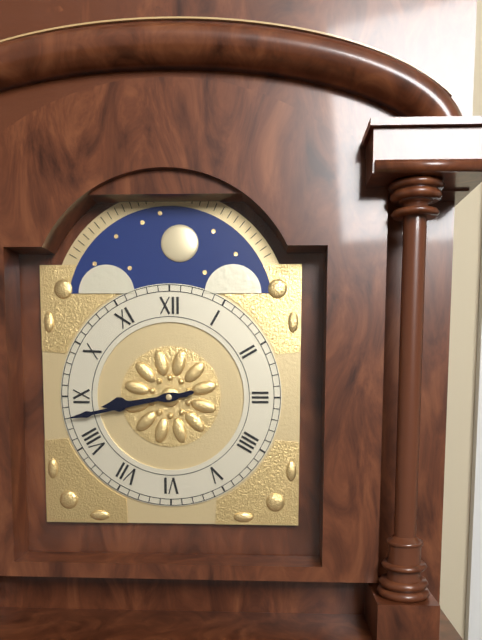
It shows 8 h 43 min
